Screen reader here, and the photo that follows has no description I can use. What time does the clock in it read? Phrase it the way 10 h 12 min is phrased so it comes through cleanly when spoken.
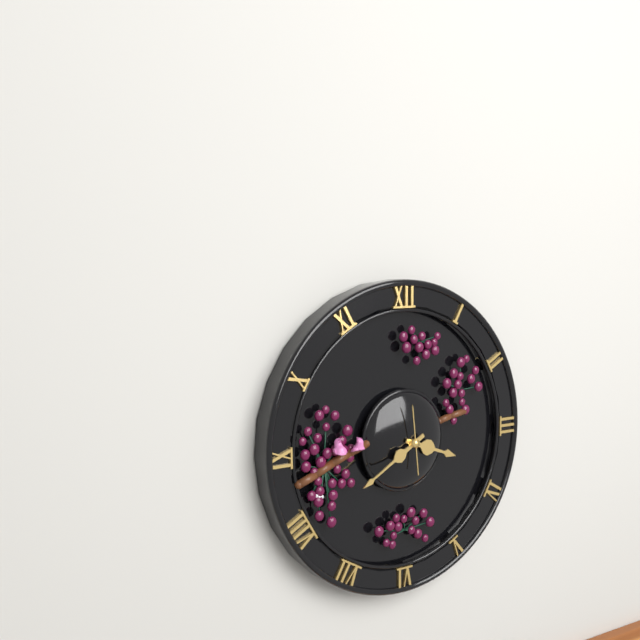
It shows 3 h 40 min
